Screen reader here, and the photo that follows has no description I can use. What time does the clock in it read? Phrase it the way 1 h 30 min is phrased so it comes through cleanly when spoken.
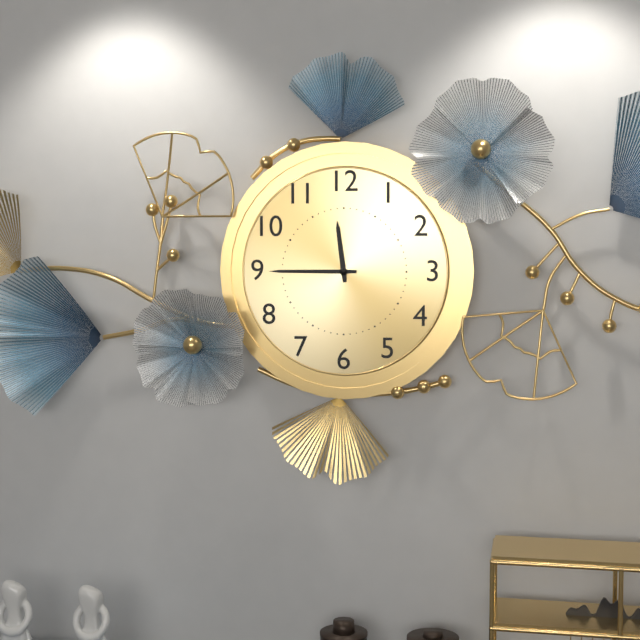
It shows 11 h 45 min
